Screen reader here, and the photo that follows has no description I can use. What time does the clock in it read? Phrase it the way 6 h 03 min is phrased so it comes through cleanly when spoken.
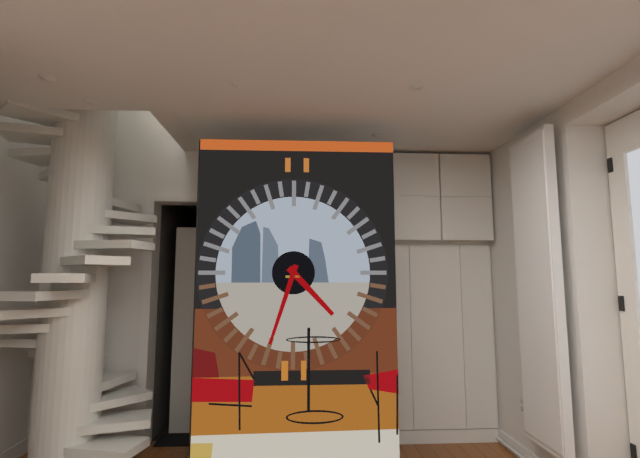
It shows 4 h 33 min
